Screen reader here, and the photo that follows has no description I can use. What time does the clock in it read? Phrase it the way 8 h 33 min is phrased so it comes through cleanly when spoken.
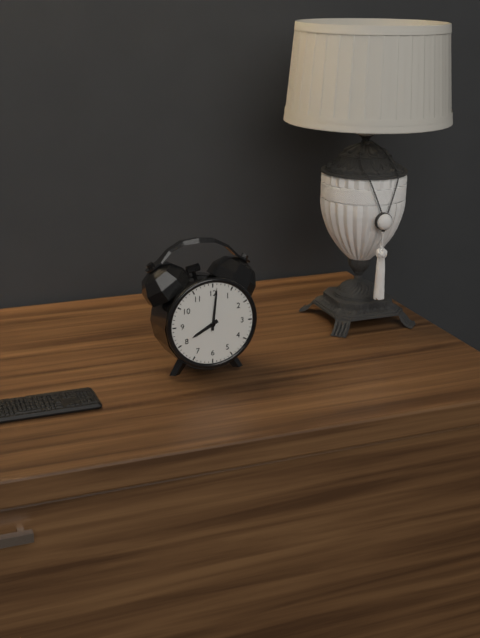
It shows 8 h 01 min
